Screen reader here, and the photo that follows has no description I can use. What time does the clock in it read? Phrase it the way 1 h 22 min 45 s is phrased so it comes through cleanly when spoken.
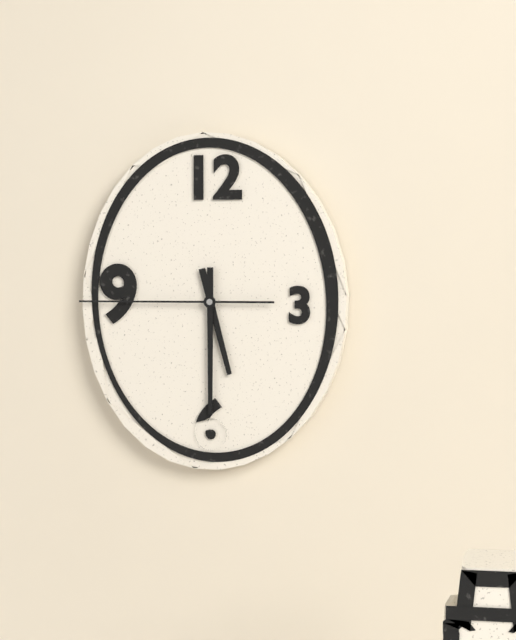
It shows 5 h 30 min 45 s
